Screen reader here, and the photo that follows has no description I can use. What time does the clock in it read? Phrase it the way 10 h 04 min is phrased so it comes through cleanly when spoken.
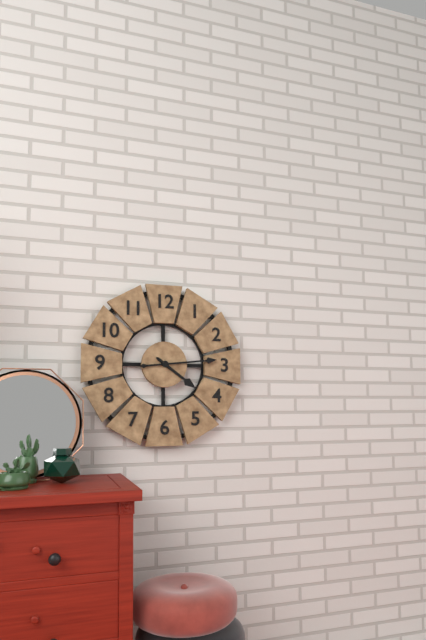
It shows 4 h 14 min
